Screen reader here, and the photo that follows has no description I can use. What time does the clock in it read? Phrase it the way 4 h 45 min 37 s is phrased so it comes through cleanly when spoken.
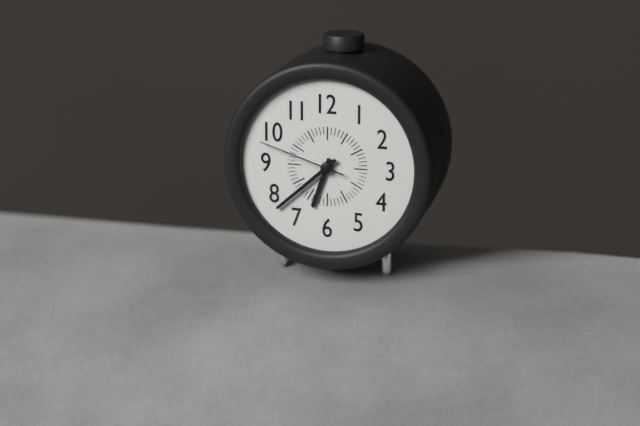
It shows 6 h 38 min 48 s
